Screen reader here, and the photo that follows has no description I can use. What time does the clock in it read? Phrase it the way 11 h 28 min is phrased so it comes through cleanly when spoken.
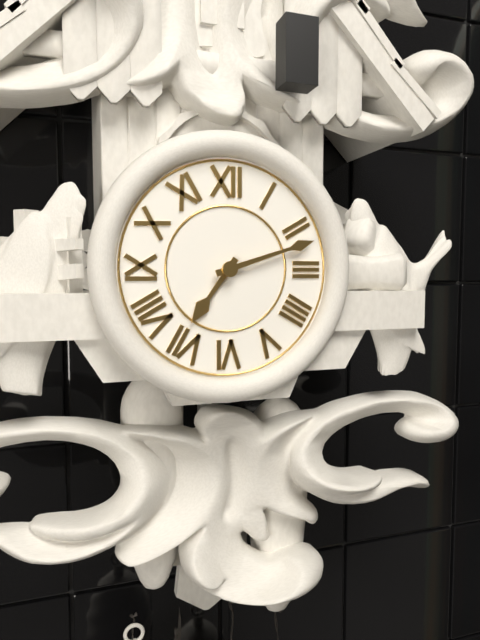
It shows 7 h 12 min
